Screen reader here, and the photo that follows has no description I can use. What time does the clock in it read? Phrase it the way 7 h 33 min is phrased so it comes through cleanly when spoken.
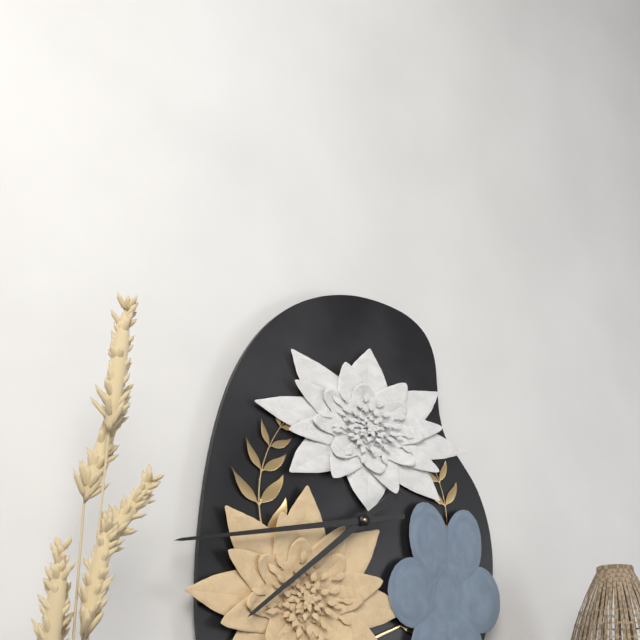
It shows 7 h 43 min
